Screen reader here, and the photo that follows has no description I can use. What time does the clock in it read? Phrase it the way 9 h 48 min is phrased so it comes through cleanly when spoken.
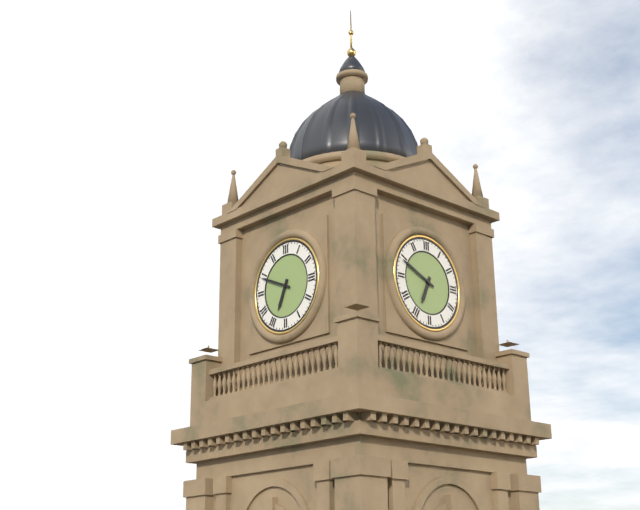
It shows 6 h 49 min
